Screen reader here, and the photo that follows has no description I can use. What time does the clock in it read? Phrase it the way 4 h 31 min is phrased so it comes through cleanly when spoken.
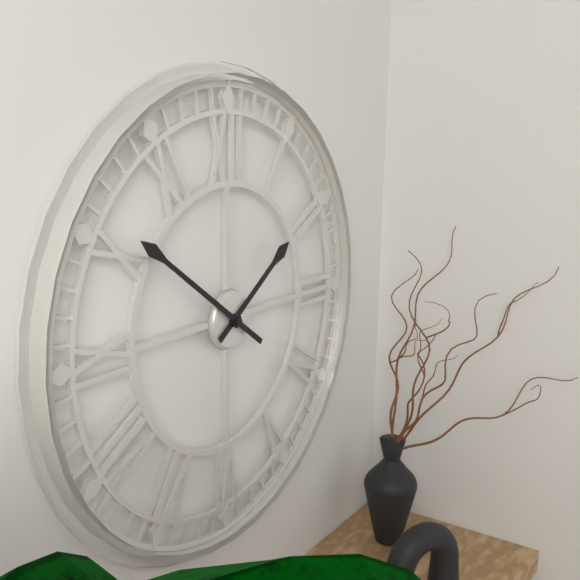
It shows 1 h 51 min
